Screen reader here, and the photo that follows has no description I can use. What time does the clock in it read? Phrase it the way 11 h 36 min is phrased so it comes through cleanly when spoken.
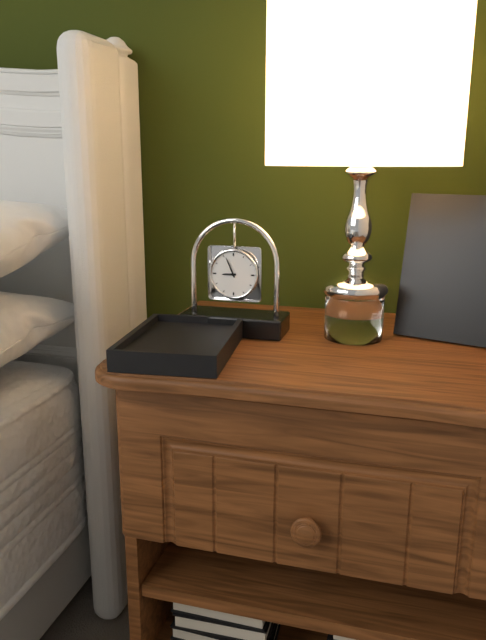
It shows 8 h 56 min
